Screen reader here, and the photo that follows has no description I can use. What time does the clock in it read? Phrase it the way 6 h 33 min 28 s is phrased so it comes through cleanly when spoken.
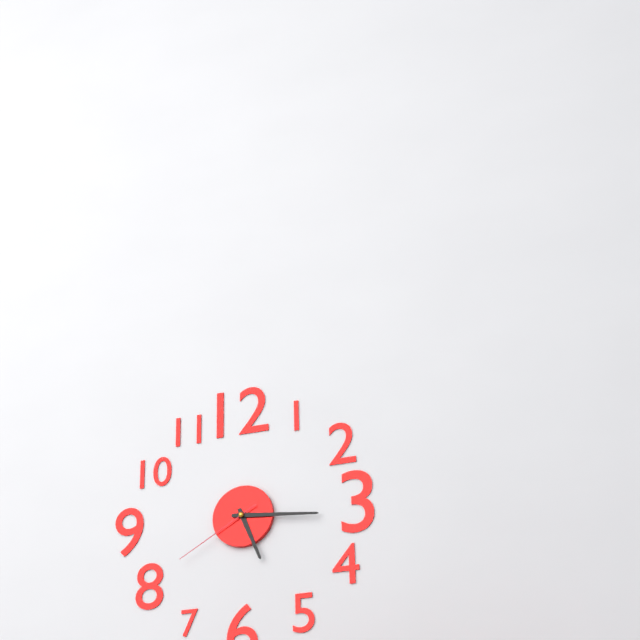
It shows 5 h 16 min 40 s
